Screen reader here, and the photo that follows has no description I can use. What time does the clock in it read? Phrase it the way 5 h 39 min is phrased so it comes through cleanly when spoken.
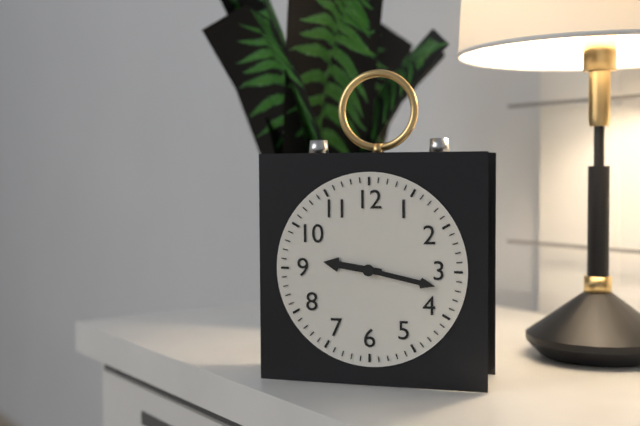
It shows 9 h 17 min
